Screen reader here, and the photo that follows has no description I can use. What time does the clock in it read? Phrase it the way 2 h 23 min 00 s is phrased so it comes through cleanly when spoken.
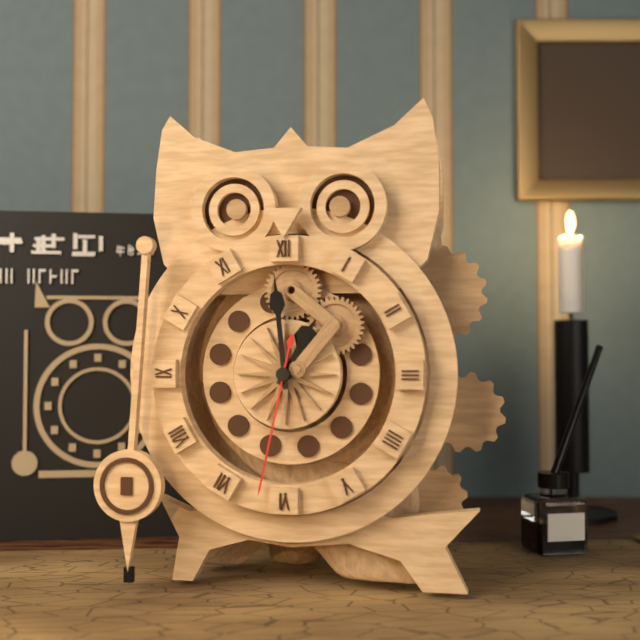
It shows 12 h 59 min 32 s
